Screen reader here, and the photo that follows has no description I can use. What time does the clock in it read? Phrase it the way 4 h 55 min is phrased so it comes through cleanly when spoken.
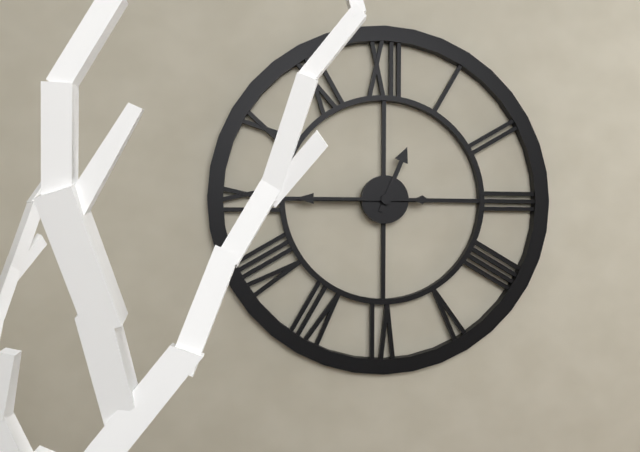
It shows 12 h 45 min
